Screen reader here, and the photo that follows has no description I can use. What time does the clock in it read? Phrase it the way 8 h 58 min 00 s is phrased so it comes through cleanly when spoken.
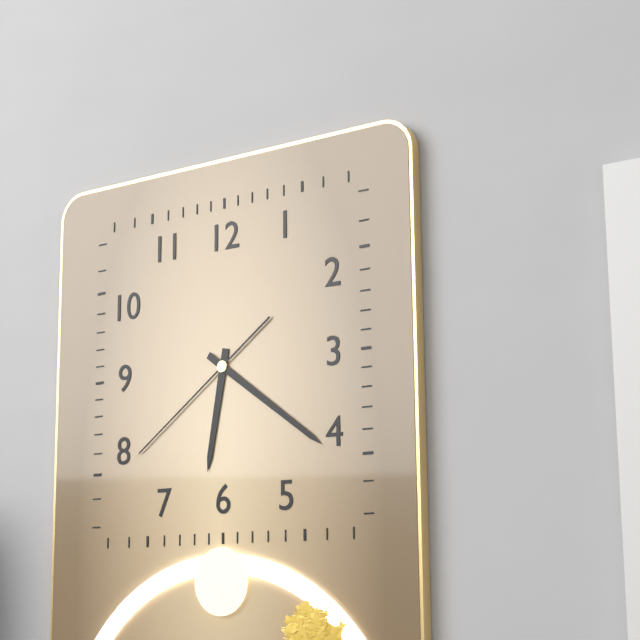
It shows 6 h 21 min 39 s
